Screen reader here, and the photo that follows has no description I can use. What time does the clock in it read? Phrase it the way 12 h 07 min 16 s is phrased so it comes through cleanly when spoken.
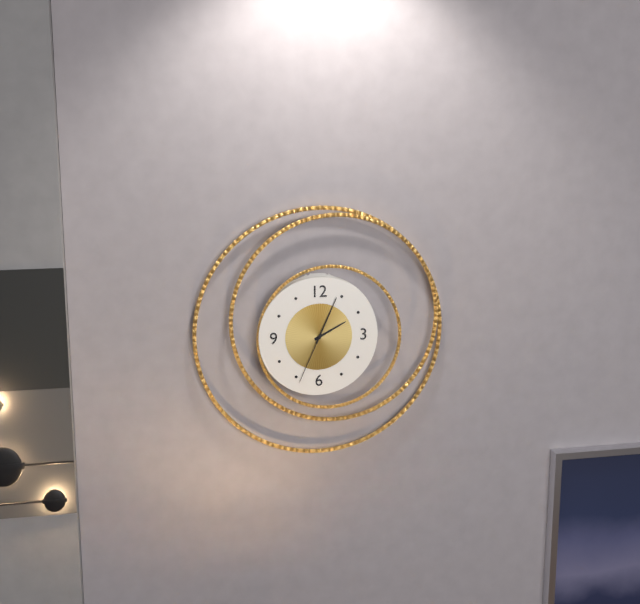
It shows 2 h 04 min 34 s
